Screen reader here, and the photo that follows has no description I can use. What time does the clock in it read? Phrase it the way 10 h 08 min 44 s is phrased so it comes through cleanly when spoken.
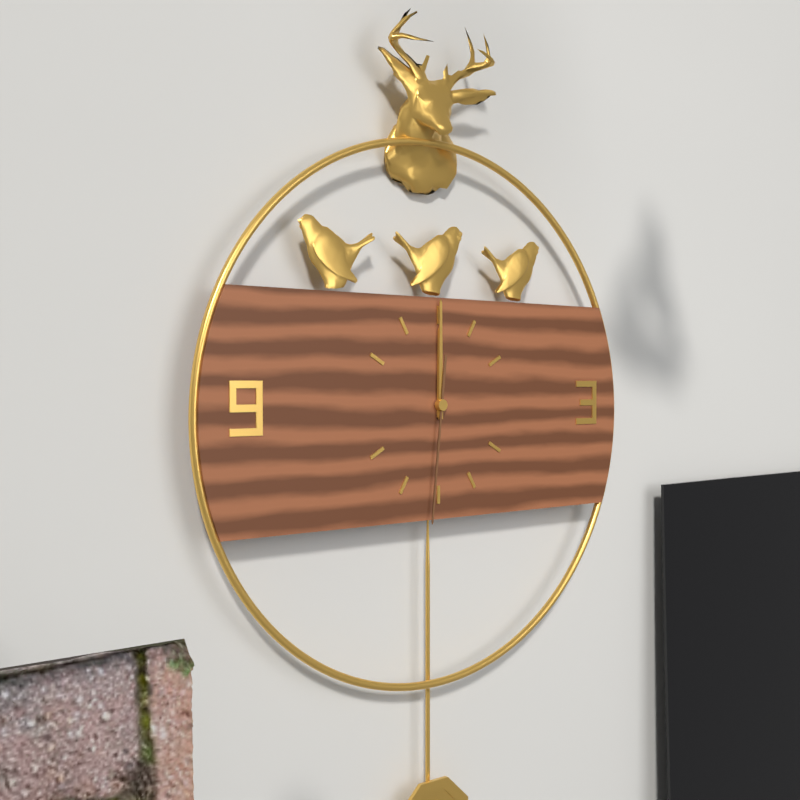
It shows 12 h 00 min 31 s
